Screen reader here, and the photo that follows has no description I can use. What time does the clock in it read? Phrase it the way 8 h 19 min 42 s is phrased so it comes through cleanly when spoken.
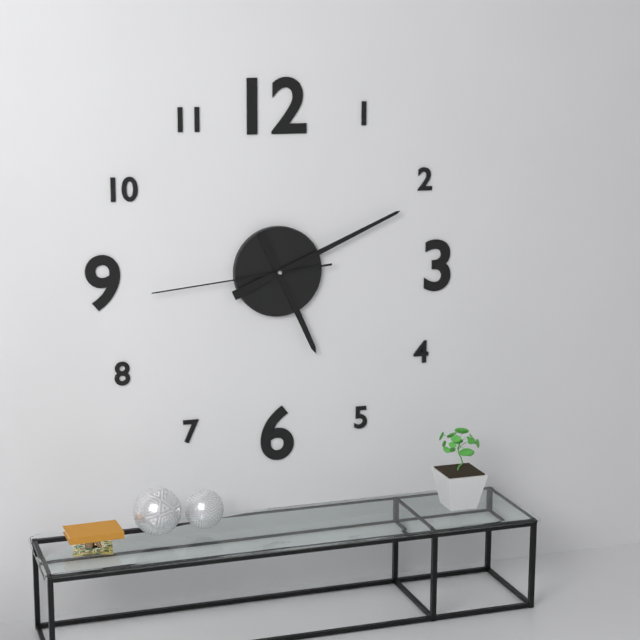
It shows 5 h 11 min 44 s
